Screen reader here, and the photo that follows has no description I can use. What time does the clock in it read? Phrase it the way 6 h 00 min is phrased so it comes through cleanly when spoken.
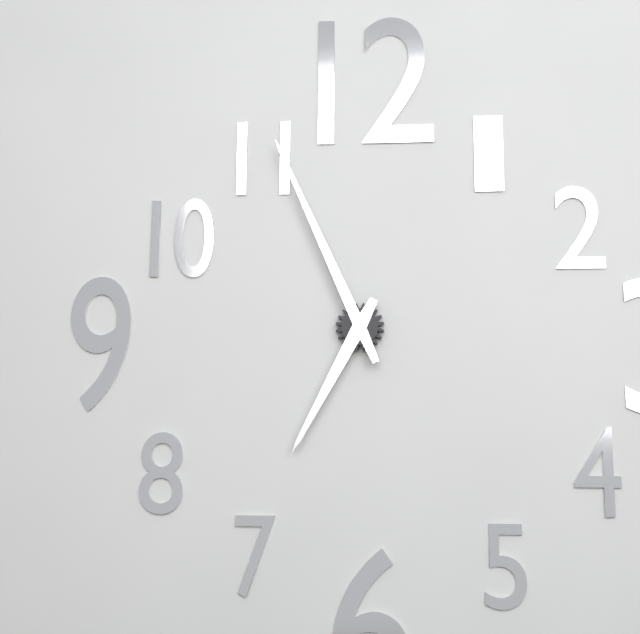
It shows 6 h 56 min
